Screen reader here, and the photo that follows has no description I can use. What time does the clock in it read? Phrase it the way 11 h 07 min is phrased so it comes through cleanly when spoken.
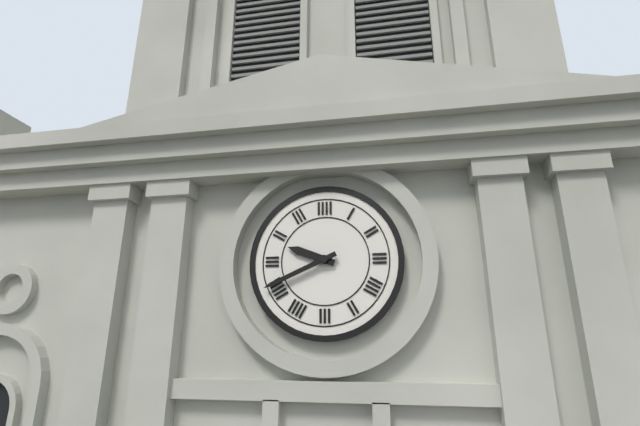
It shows 9 h 41 min
